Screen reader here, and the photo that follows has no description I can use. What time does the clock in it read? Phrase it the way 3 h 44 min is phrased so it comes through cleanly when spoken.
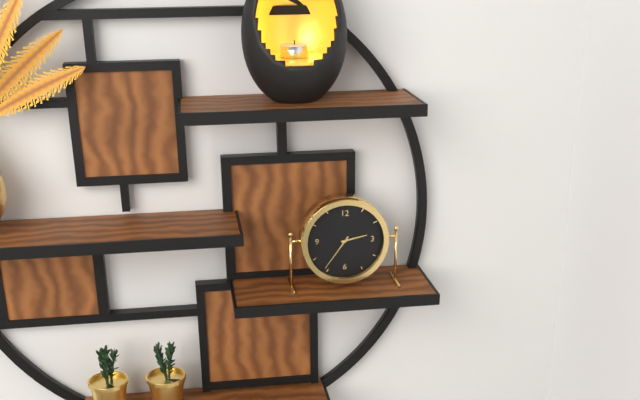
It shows 2 h 36 min
